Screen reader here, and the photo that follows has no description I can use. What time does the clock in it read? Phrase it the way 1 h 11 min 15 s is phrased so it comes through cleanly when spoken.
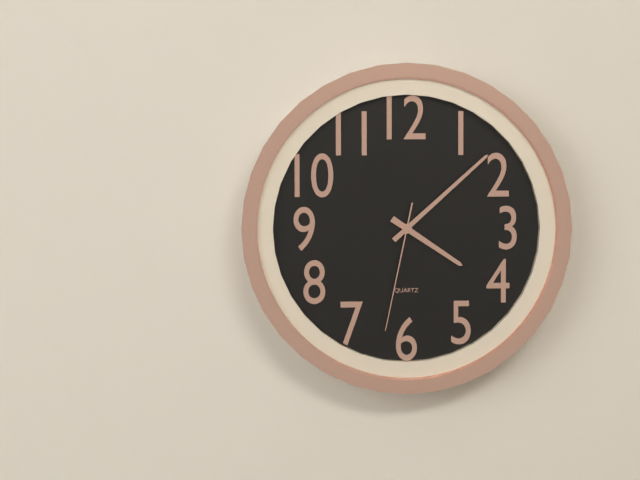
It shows 4 h 08 min 32 s
